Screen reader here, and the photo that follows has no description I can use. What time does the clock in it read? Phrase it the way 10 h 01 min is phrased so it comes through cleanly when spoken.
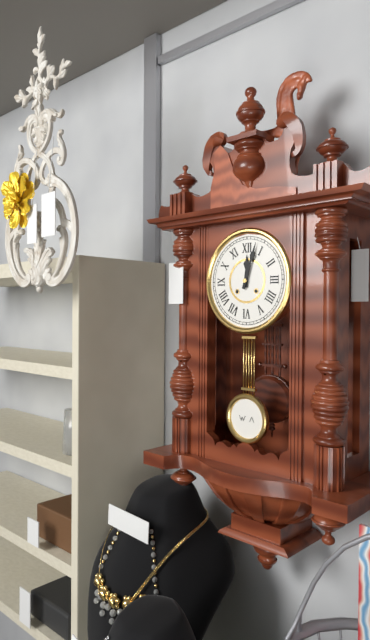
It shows 12 h 03 min
